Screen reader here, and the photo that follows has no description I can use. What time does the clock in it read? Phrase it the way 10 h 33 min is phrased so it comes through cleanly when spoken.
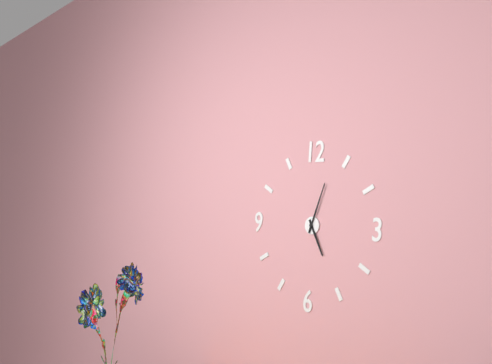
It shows 5 h 03 min
